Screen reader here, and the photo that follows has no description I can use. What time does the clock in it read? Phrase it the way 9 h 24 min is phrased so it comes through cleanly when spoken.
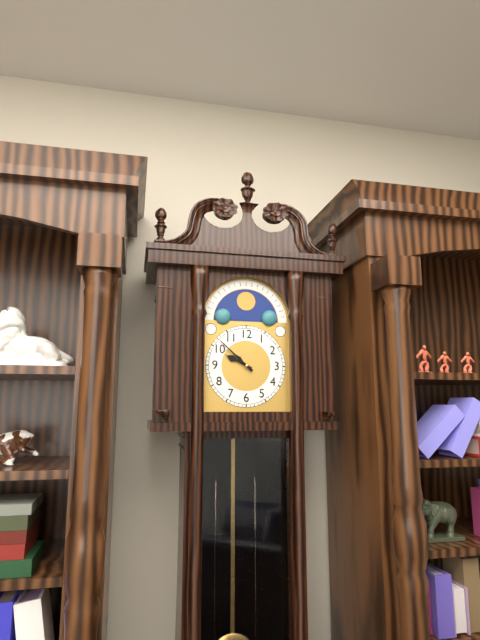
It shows 9 h 52 min
